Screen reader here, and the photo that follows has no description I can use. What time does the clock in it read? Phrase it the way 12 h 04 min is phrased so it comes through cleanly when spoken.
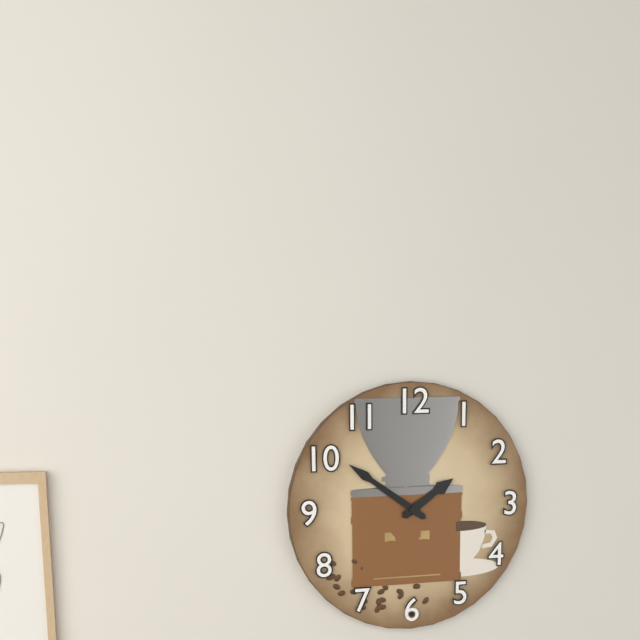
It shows 1 h 51 min
